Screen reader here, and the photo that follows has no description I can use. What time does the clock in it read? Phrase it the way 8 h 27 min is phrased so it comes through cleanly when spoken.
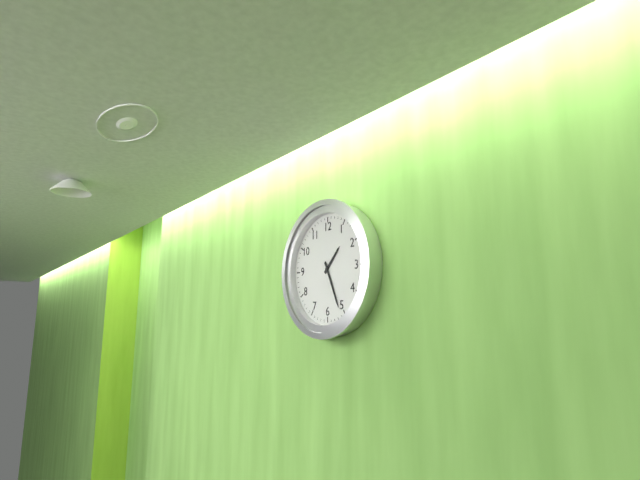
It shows 1 h 26 min
